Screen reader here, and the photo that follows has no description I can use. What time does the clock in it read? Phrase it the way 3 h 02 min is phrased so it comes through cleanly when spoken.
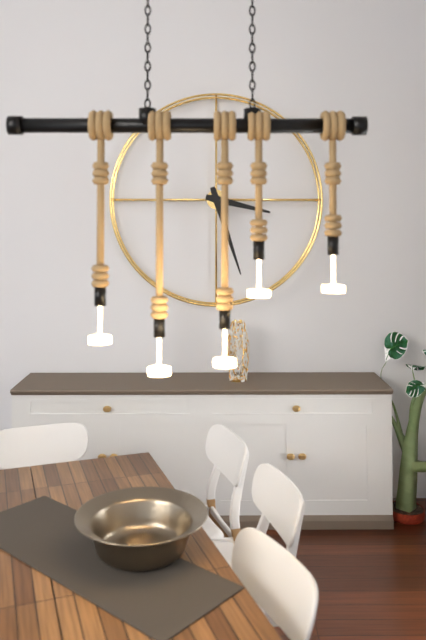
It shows 3 h 27 min
